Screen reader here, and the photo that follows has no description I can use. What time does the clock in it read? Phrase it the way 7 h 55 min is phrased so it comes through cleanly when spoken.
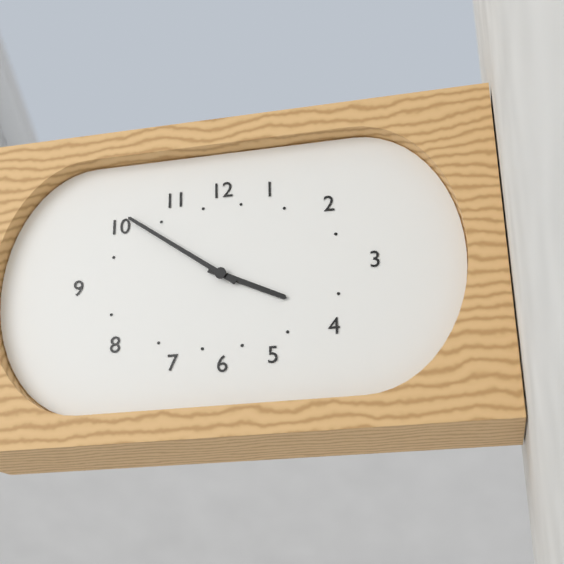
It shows 3 h 51 min
